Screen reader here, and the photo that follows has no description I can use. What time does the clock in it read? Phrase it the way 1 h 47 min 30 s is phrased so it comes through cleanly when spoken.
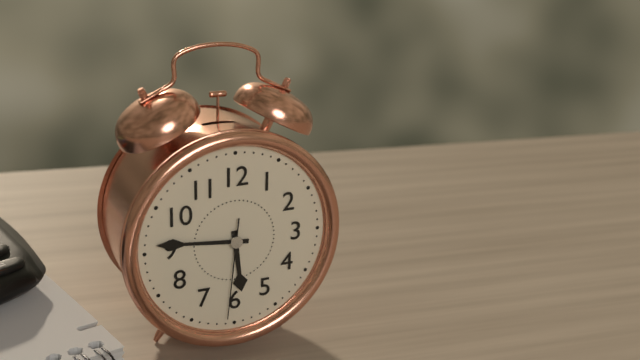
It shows 5 h 46 min 31 s
